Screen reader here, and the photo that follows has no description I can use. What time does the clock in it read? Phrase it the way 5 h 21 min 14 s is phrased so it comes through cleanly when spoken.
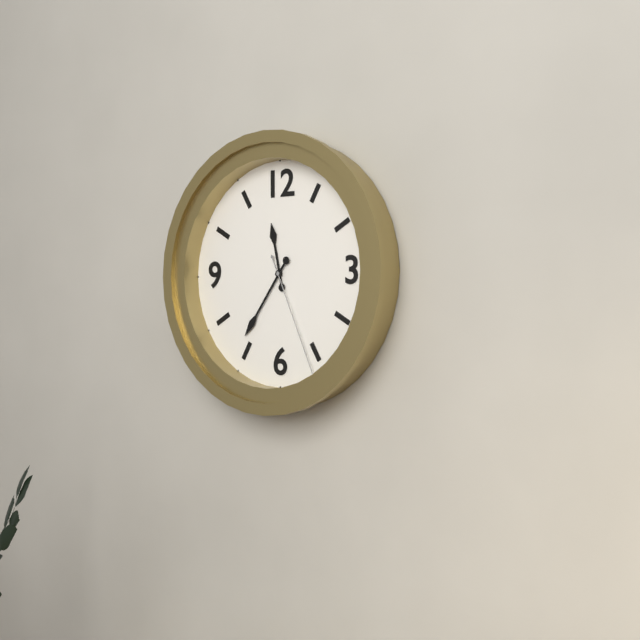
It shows 11 h 36 min 26 s
